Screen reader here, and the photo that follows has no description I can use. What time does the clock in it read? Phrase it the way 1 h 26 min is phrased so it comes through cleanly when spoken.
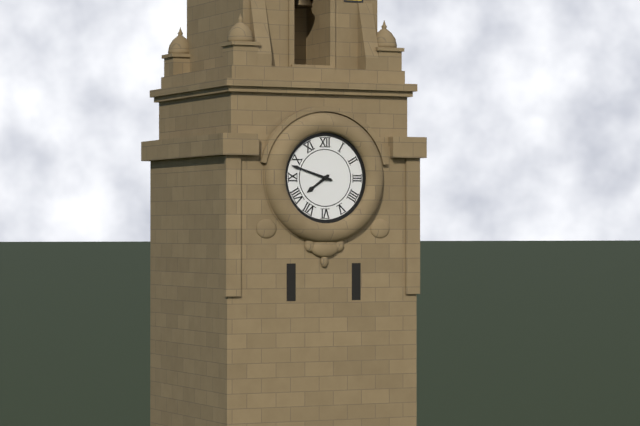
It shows 7 h 48 min
